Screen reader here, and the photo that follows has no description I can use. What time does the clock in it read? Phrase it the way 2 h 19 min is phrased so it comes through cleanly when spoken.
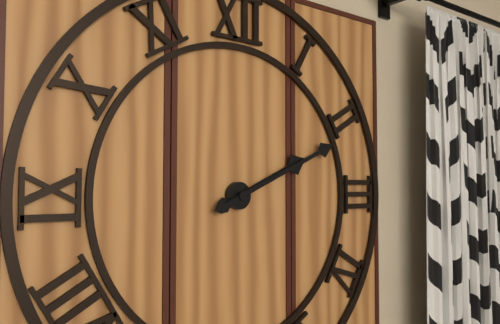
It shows 2 h 11 min
